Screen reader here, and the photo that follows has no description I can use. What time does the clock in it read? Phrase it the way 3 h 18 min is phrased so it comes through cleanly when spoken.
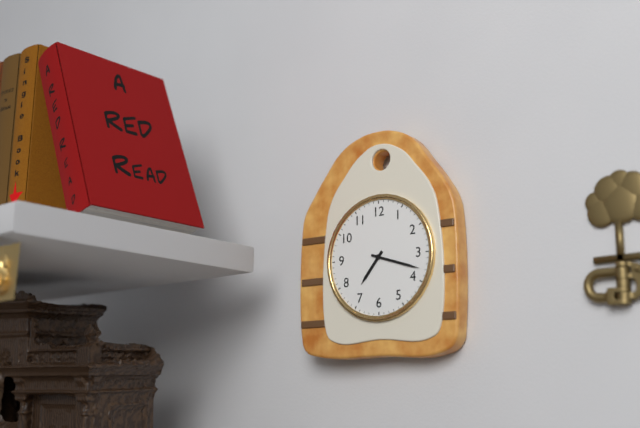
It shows 7 h 18 min
